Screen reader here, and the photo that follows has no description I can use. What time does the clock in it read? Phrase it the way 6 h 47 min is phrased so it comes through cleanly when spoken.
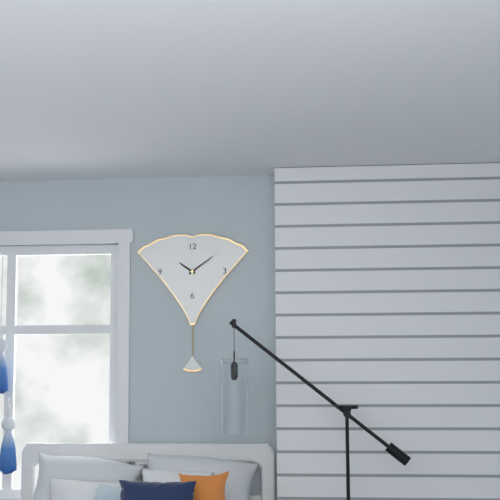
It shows 10 h 09 min
